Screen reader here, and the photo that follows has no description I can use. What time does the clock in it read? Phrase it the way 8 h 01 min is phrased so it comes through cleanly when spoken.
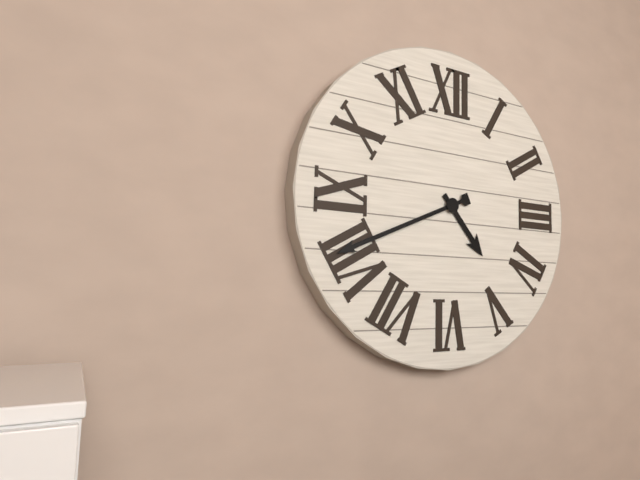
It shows 4 h 41 min
